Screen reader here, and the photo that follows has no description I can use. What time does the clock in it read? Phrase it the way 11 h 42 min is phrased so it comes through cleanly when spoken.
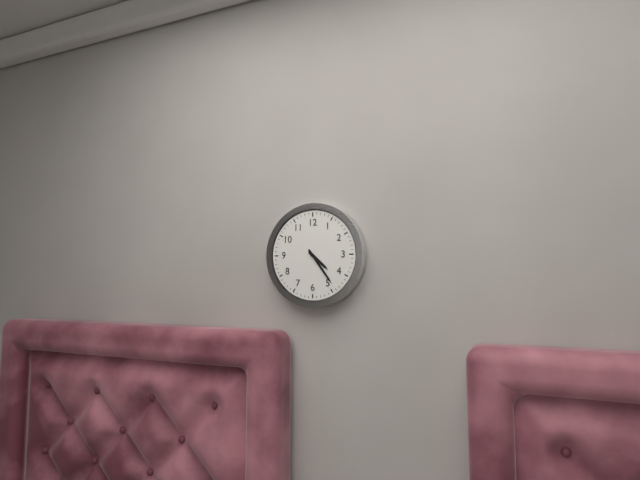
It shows 4 h 24 min
